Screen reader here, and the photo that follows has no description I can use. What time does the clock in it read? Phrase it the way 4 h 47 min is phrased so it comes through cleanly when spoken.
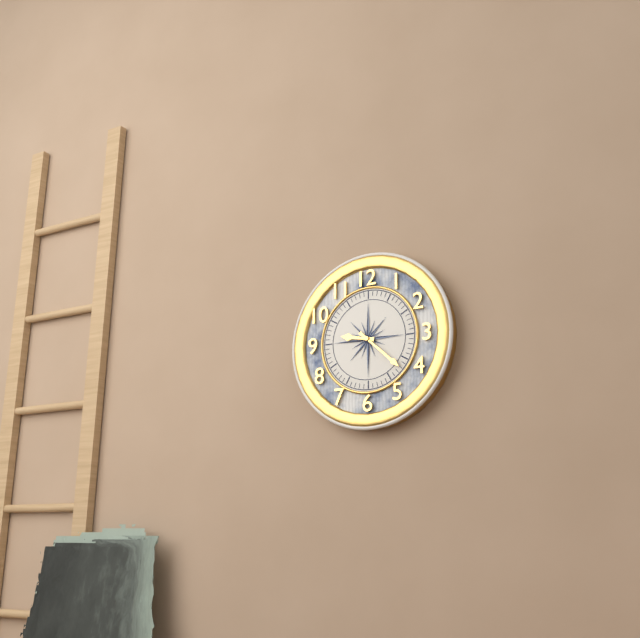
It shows 9 h 22 min
